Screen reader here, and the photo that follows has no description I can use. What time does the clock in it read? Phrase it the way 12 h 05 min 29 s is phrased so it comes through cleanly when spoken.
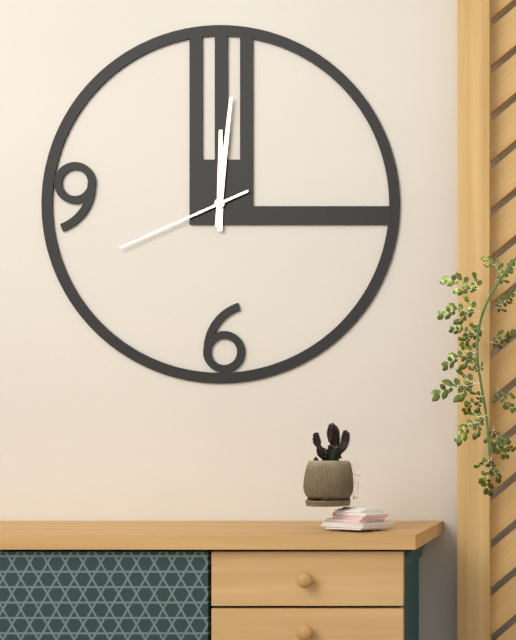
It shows 12 h 01 min 41 s
